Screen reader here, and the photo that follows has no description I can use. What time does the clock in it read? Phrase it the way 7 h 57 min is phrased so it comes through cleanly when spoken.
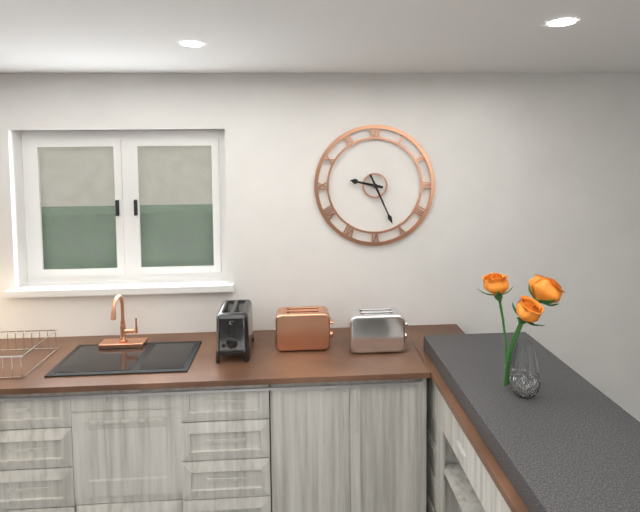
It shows 9 h 26 min
